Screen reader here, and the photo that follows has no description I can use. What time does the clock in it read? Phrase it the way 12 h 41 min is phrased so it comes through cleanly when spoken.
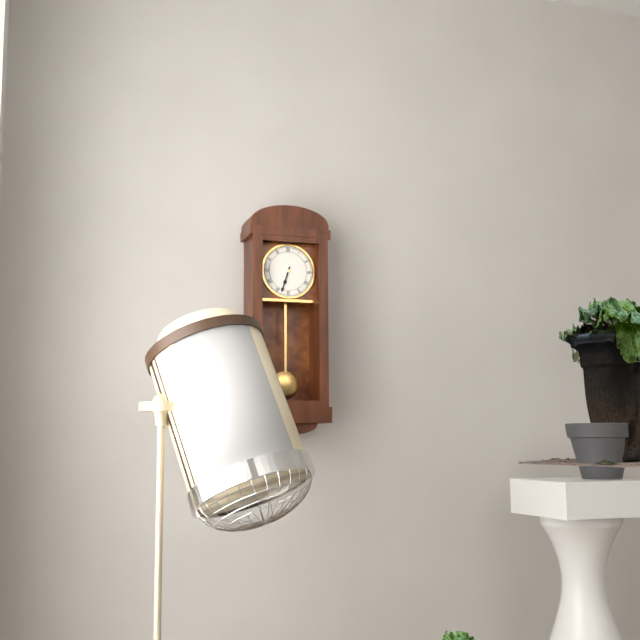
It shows 6 h 33 min
